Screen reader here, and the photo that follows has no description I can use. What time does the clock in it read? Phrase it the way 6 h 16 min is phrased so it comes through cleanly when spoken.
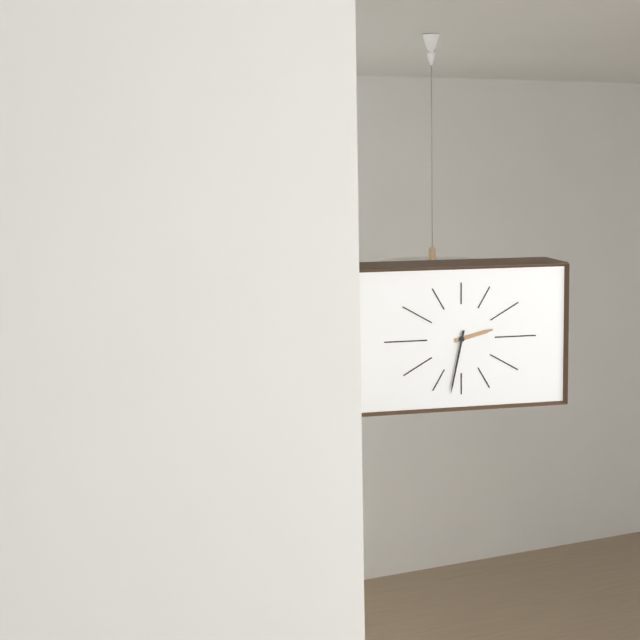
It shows 2 h 32 min
